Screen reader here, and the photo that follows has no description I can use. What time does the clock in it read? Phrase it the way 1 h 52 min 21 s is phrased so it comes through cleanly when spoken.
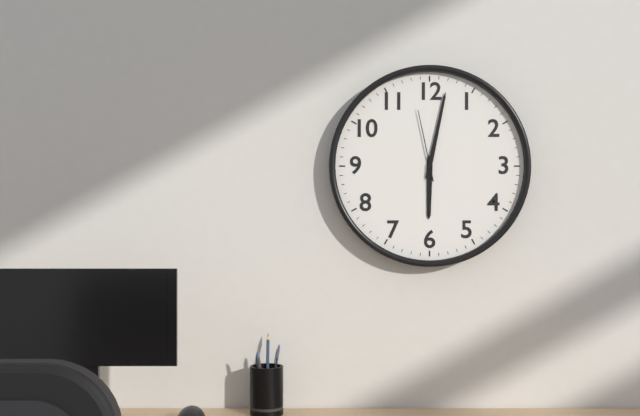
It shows 6 h 02 min 58 s
